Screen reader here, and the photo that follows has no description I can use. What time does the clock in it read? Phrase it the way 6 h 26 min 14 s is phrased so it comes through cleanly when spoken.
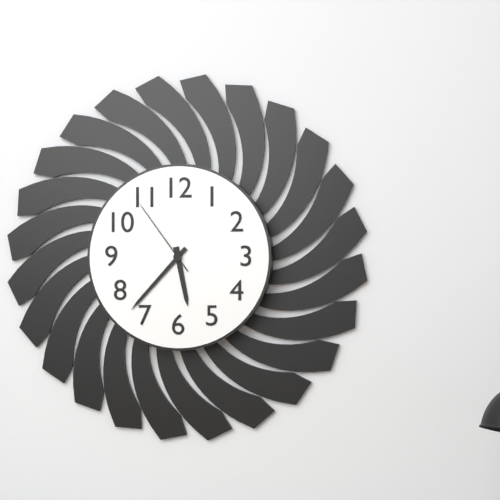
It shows 5 h 37 min 54 s
